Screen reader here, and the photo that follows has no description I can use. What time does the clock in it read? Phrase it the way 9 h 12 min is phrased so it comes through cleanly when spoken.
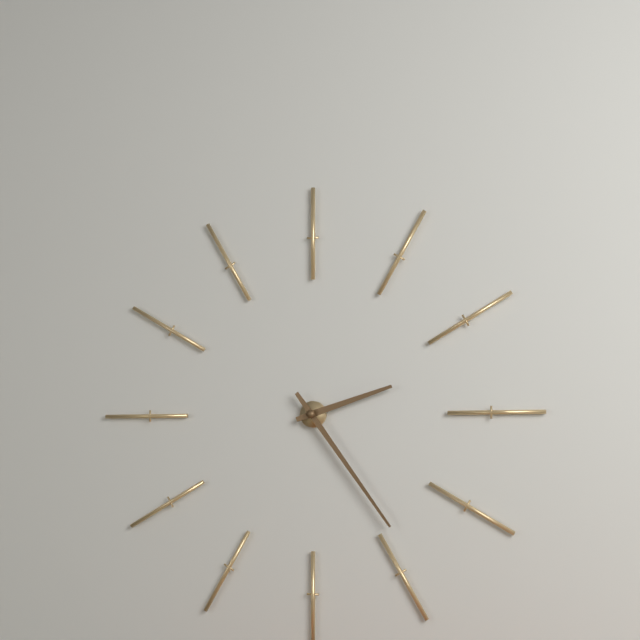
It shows 2 h 24 min
